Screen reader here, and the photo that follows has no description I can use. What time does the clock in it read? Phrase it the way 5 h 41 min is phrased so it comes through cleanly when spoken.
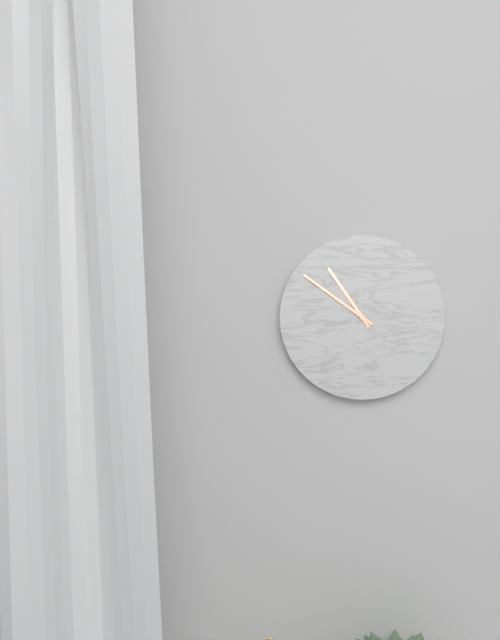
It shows 10 h 51 min
